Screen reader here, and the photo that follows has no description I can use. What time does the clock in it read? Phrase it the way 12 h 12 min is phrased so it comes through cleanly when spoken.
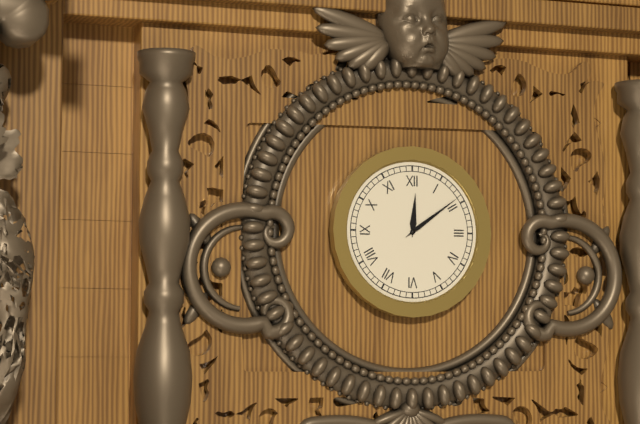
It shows 12 h 09 min
